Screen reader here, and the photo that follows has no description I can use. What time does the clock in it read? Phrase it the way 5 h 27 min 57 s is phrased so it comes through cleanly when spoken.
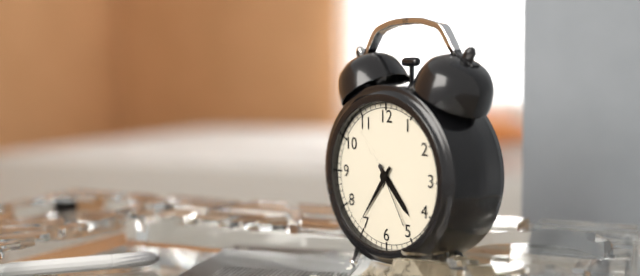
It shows 4 h 36 min 25 s
